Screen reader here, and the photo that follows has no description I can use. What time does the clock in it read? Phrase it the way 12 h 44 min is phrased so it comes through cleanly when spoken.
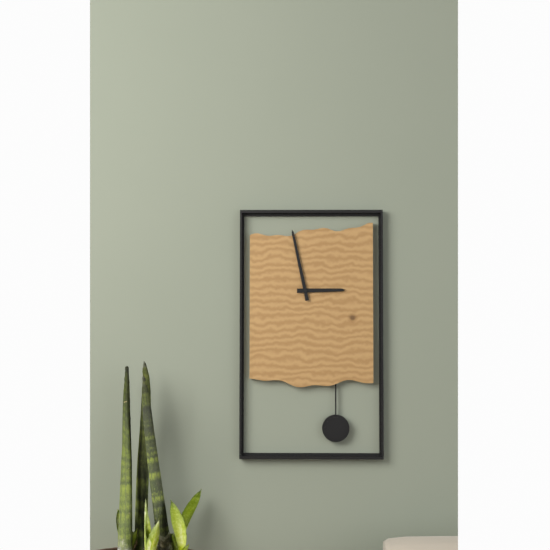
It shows 2 h 58 min
